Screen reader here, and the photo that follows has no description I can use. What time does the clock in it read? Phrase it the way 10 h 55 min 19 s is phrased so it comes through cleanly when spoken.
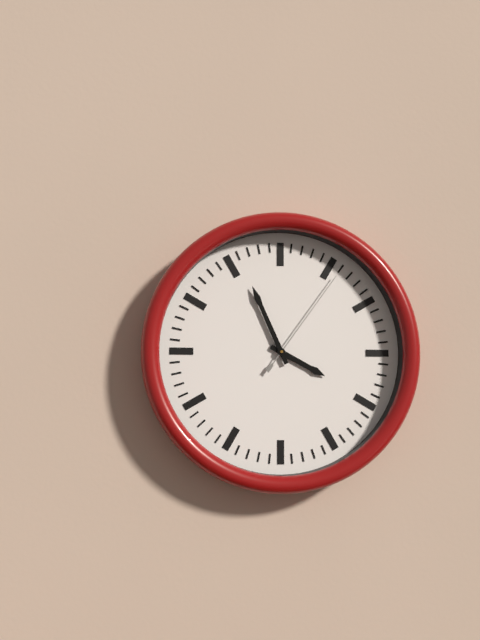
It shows 3 h 56 min 06 s
